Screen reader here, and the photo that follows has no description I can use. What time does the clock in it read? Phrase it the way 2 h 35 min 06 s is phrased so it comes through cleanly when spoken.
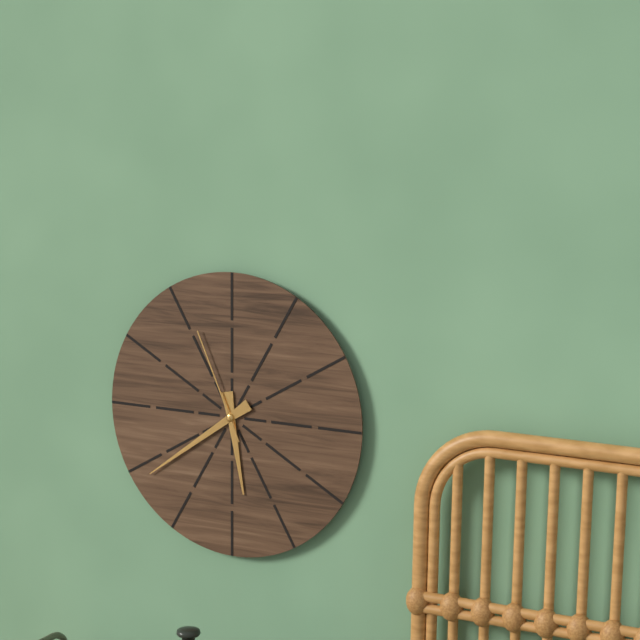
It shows 5 h 39 min 56 s
